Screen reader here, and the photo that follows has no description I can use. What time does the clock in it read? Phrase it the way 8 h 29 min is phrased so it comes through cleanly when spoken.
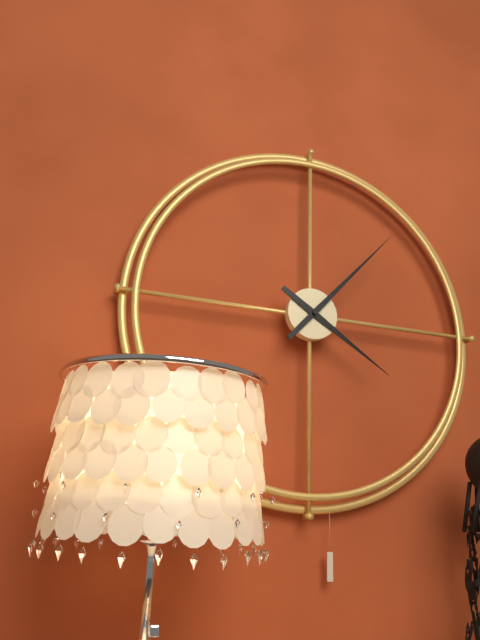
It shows 4 h 07 min
